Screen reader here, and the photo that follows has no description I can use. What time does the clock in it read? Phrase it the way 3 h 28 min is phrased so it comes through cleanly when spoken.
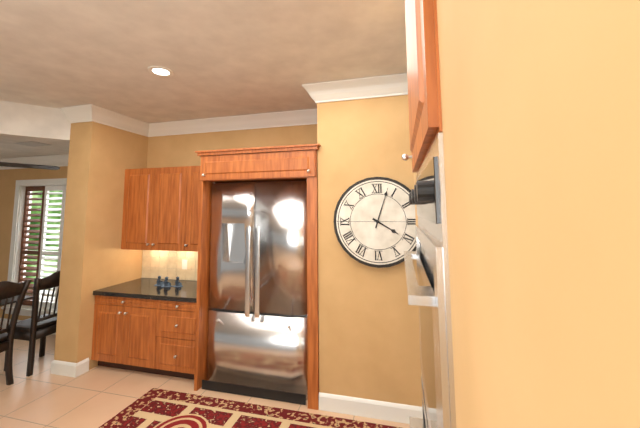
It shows 4 h 03 min
